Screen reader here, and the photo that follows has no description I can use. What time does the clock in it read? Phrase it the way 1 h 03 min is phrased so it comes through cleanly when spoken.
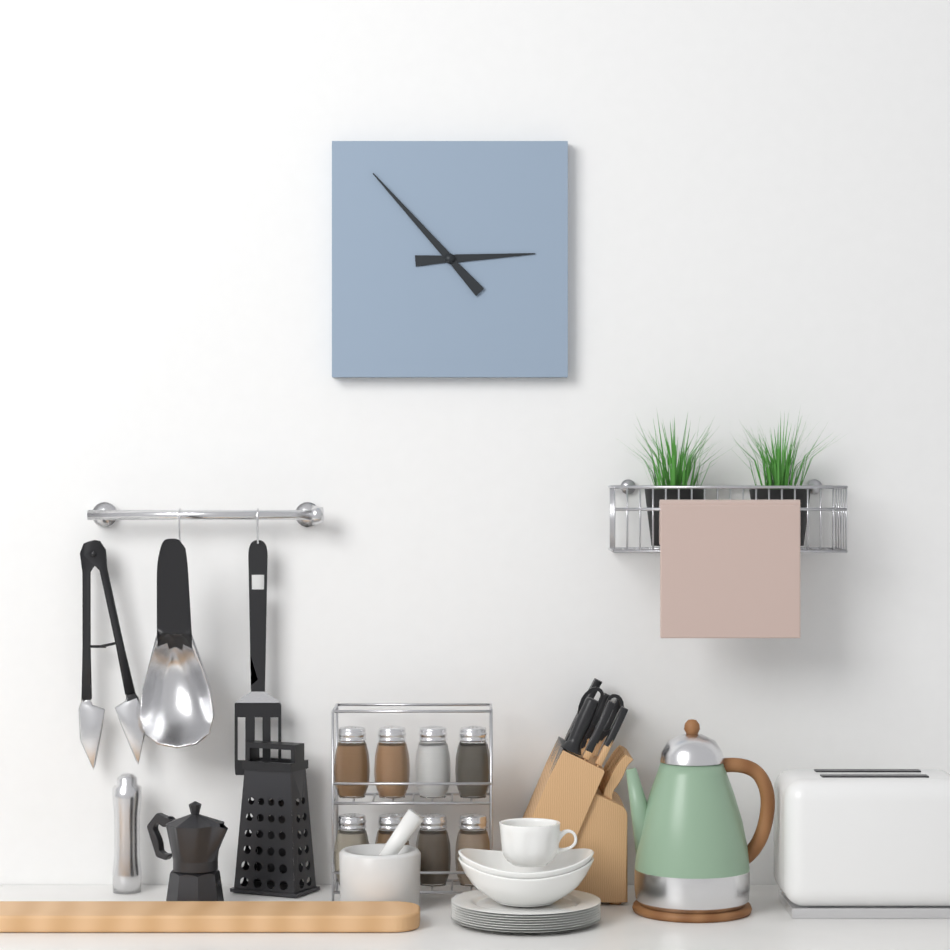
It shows 2 h 53 min
